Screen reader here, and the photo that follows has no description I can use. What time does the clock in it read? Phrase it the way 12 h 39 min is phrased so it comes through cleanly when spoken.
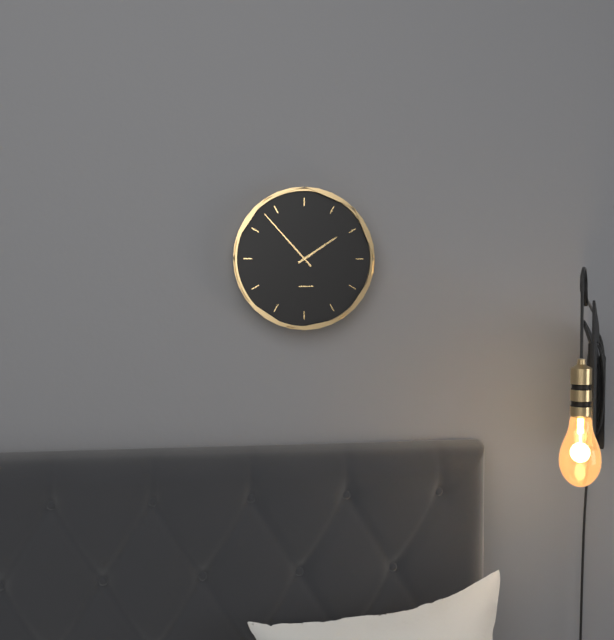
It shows 1 h 53 min
